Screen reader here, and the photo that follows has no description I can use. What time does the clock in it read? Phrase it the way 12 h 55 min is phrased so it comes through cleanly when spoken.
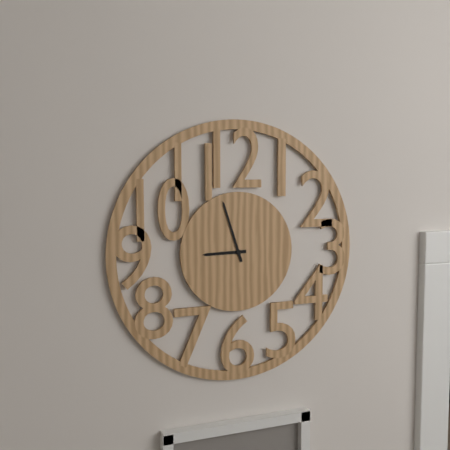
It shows 8 h 57 min
